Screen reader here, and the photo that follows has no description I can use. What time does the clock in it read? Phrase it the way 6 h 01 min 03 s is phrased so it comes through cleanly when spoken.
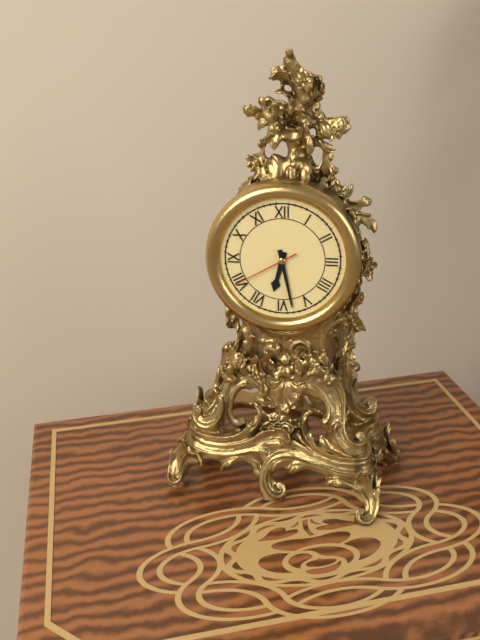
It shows 6 h 28 min 40 s
